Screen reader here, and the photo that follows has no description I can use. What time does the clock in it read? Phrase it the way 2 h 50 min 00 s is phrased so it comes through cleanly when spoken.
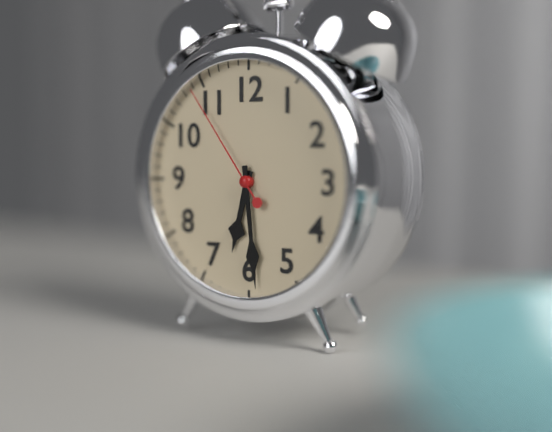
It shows 6 h 29 min 54 s
